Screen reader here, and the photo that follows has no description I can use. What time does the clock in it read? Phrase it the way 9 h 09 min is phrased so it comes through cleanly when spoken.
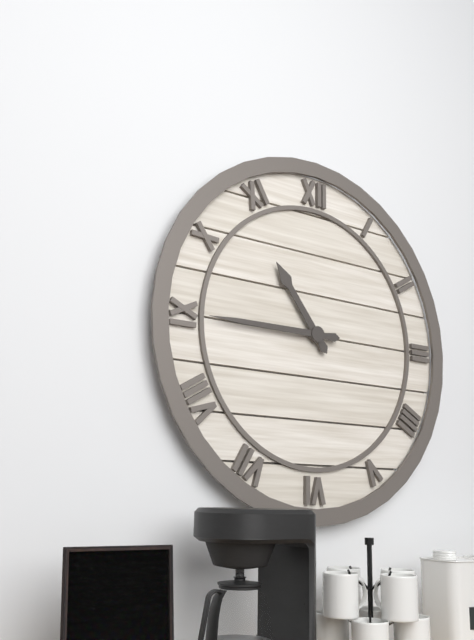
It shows 10 h 45 min
